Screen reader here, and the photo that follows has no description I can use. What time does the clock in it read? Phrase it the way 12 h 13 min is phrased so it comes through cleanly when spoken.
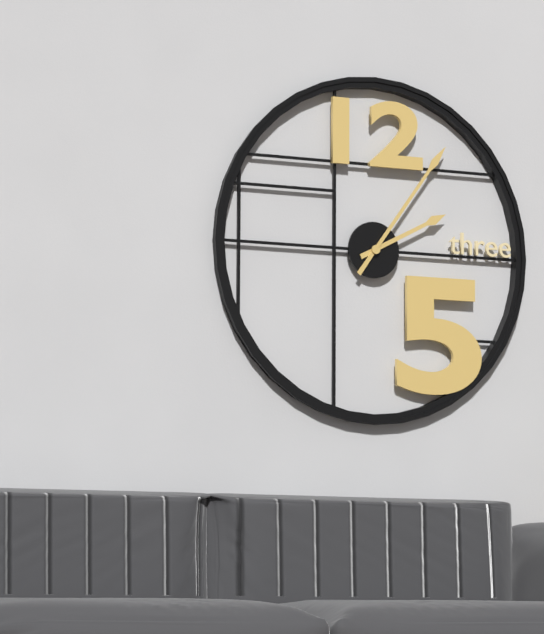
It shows 2 h 06 min
